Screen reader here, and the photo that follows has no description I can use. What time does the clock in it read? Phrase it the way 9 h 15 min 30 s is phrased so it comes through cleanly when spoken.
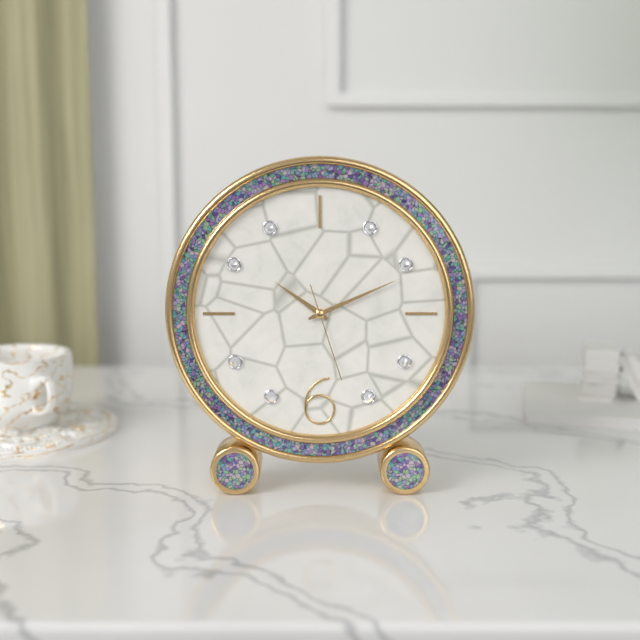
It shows 10 h 11 min 27 s
